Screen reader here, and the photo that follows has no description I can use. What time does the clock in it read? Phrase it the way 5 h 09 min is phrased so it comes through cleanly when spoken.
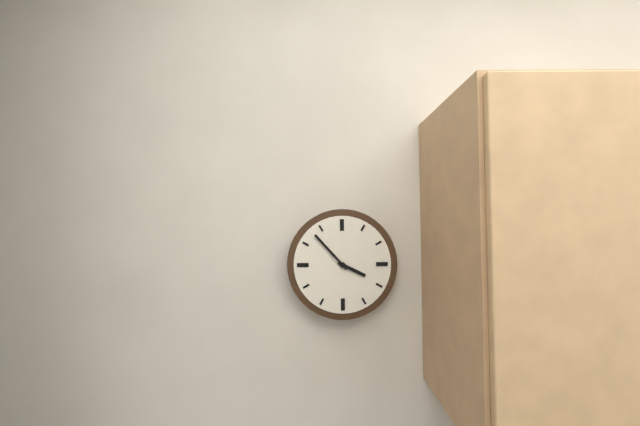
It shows 3 h 53 min
